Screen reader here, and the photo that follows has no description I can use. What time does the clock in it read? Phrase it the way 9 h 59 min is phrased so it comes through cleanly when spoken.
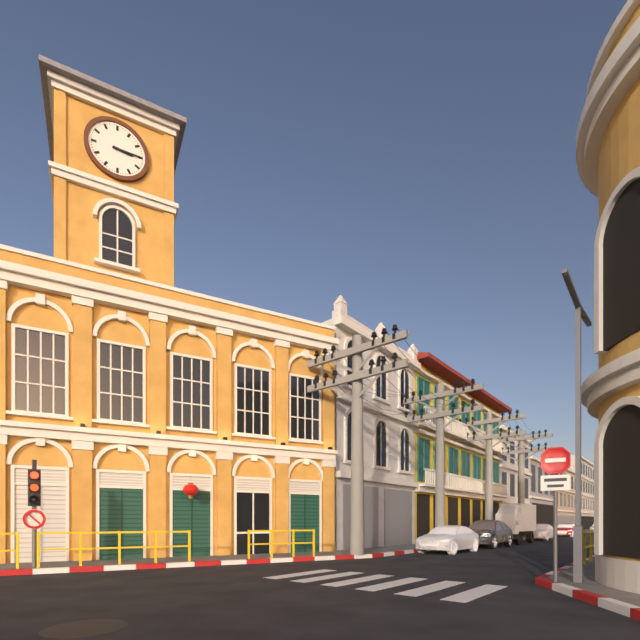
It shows 3 h 15 min
